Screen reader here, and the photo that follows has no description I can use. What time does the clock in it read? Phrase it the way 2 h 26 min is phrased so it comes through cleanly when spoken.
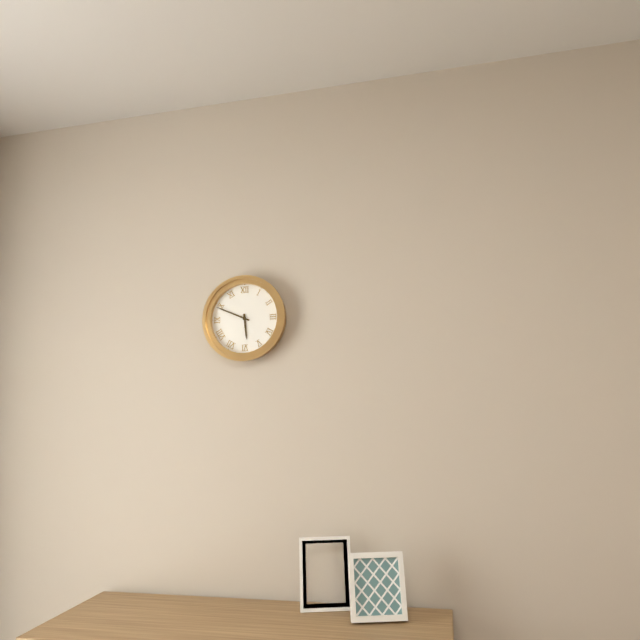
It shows 5 h 49 min
